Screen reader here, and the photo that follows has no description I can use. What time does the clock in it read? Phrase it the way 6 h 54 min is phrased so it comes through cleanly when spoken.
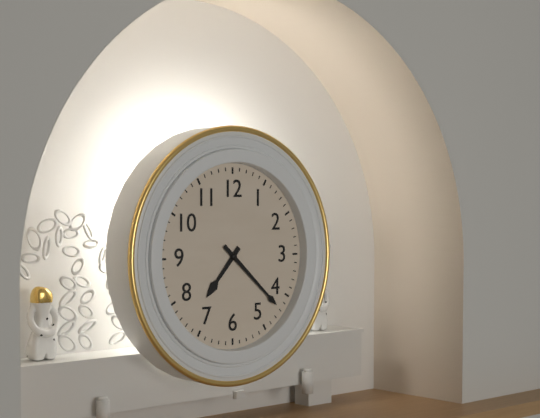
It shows 7 h 22 min
